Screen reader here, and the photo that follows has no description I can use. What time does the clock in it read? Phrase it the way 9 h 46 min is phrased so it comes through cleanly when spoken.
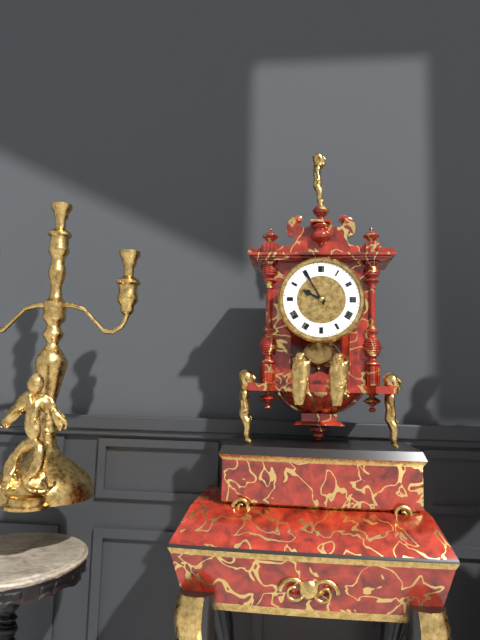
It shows 9 h 55 min
